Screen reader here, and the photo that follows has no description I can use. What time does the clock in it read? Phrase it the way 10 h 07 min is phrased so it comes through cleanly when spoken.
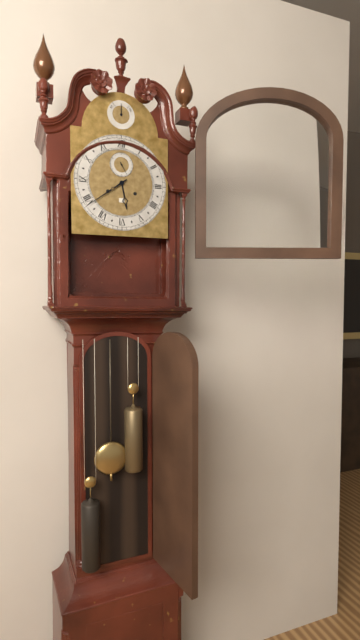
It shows 5 h 39 min
